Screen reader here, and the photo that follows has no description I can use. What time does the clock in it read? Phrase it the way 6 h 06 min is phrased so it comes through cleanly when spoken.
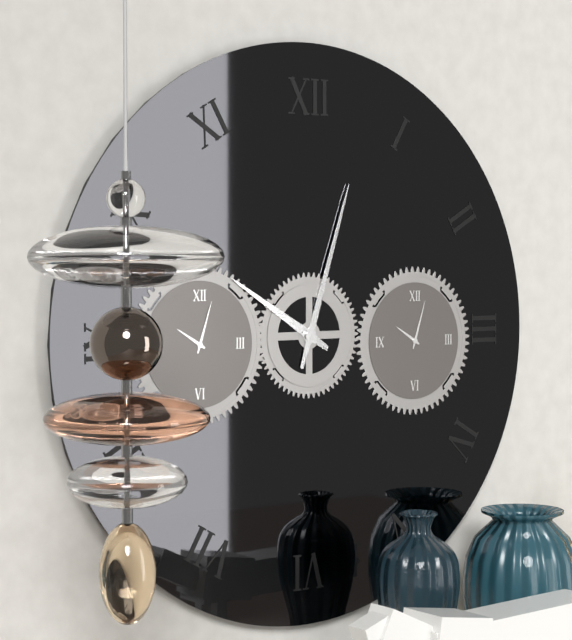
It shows 10 h 03 min
